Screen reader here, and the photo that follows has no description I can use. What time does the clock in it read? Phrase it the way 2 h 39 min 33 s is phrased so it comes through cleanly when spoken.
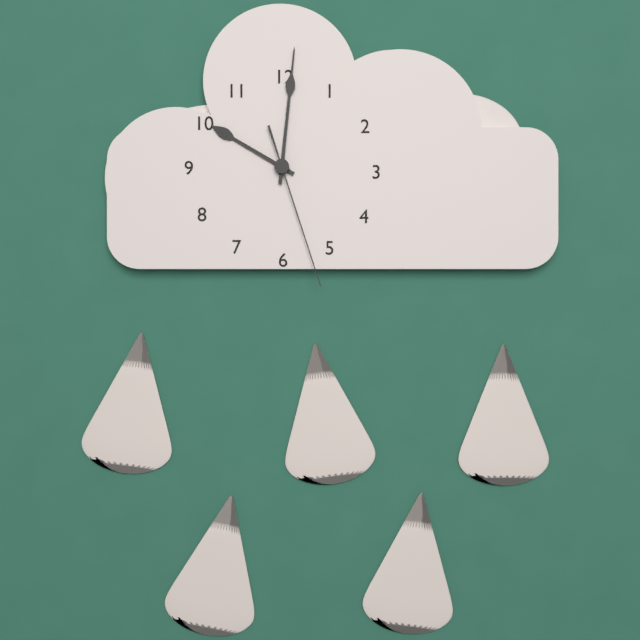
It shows 10 h 01 min 27 s
